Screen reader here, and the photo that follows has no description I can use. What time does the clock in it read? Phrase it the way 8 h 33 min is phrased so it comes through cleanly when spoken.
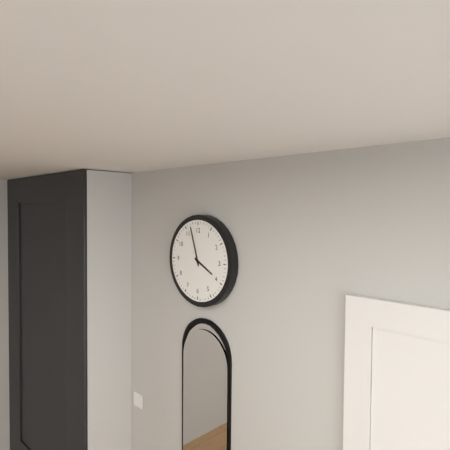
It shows 3 h 57 min
